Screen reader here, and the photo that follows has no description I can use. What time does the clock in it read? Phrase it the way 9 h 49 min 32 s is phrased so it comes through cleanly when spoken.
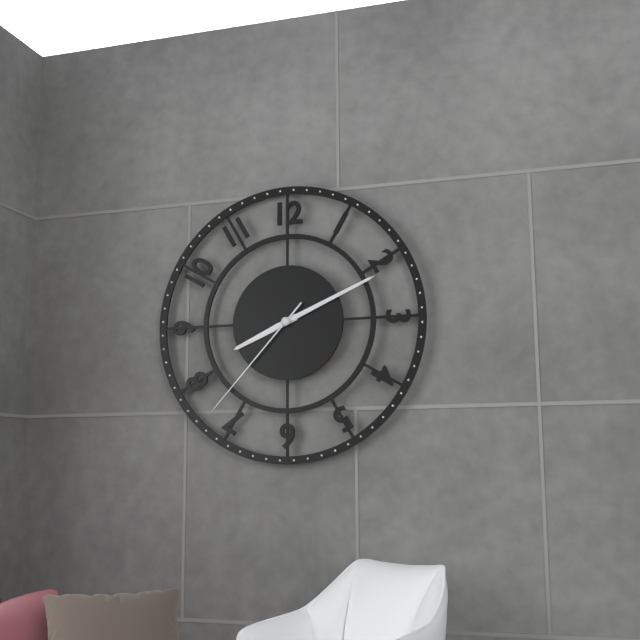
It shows 8 h 11 min 37 s
